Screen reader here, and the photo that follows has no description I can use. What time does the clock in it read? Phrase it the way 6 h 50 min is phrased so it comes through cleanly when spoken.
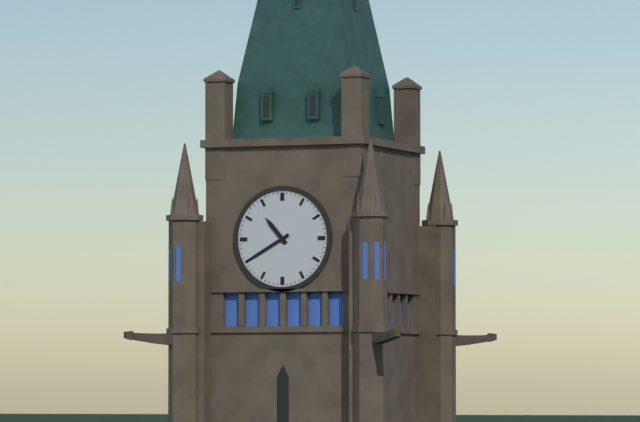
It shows 10 h 40 min
